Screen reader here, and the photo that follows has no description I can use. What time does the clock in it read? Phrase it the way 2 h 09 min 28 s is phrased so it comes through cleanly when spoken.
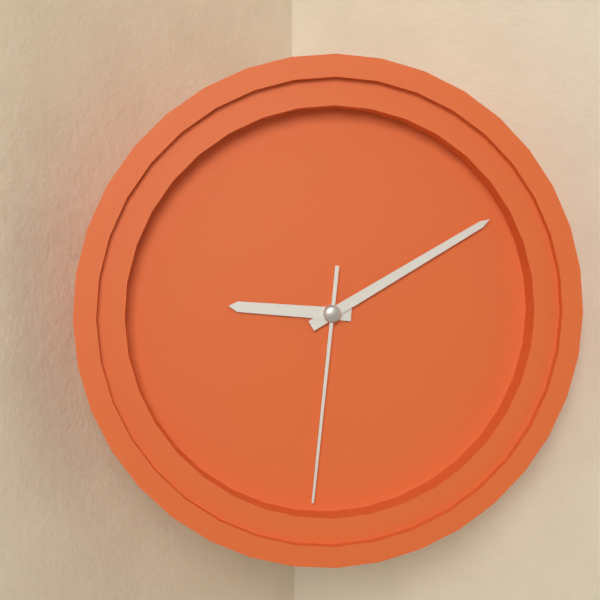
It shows 9 h 10 min 31 s
